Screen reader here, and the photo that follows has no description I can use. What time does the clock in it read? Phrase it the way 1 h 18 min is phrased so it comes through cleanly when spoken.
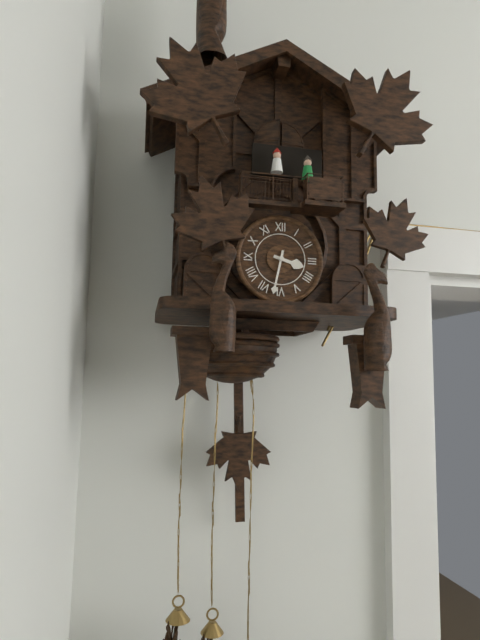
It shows 3 h 32 min
